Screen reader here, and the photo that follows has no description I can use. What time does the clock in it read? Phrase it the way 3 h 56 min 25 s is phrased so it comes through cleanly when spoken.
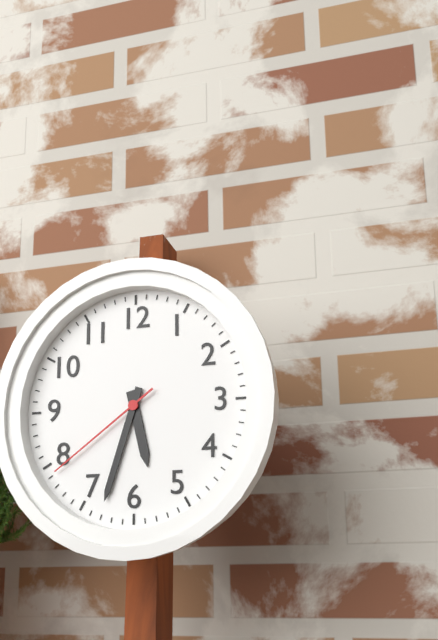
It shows 5 h 33 min 39 s
